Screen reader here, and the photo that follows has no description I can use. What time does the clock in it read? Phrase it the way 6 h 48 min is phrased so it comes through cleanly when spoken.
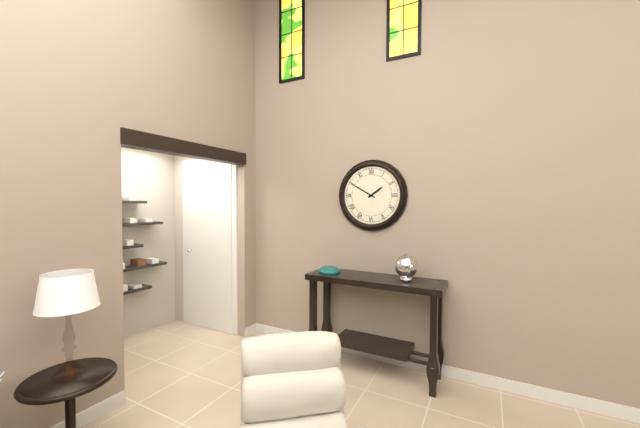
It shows 1 h 50 min
